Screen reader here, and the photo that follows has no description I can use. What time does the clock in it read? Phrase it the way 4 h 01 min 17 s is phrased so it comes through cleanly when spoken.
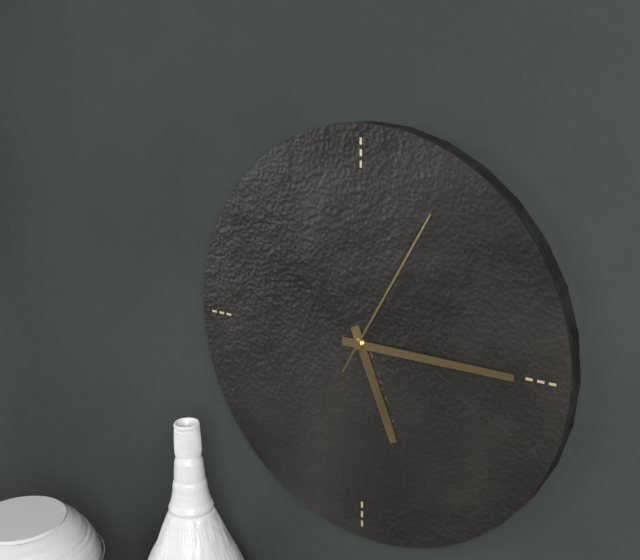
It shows 5 h 15 min 05 s
